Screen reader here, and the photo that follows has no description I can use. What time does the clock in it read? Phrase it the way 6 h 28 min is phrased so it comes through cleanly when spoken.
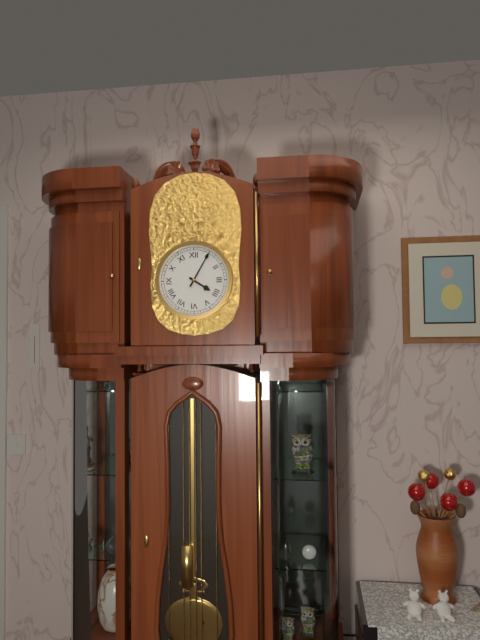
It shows 4 h 05 min
